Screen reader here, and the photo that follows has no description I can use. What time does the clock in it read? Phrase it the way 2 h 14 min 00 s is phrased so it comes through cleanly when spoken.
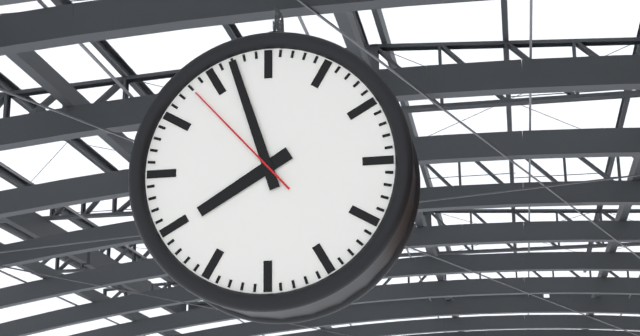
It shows 7 h 57 min 53 s
